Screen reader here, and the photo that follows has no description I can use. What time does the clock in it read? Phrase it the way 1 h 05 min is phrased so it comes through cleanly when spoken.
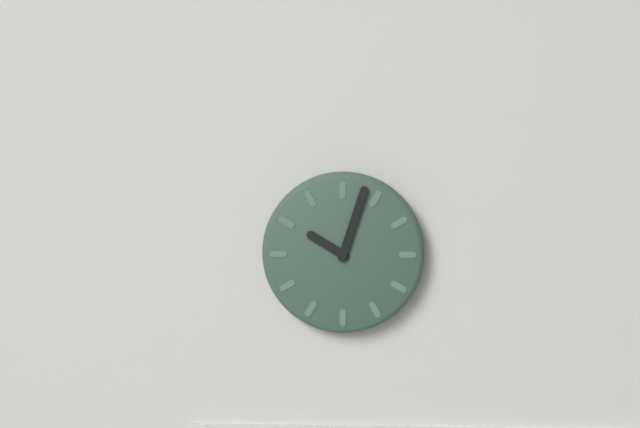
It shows 10 h 03 min
